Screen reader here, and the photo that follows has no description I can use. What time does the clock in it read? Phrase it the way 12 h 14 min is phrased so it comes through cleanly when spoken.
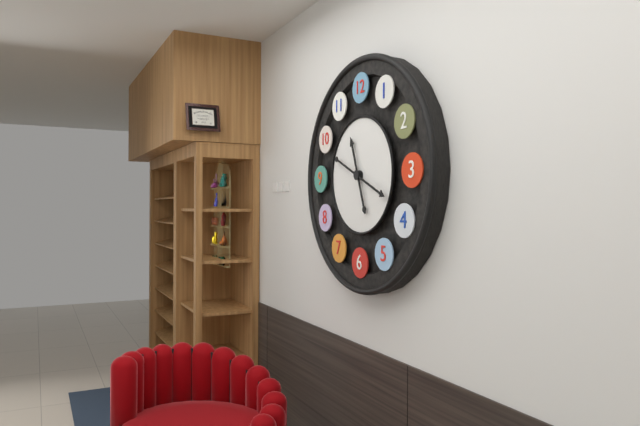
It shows 11 h 19 min
